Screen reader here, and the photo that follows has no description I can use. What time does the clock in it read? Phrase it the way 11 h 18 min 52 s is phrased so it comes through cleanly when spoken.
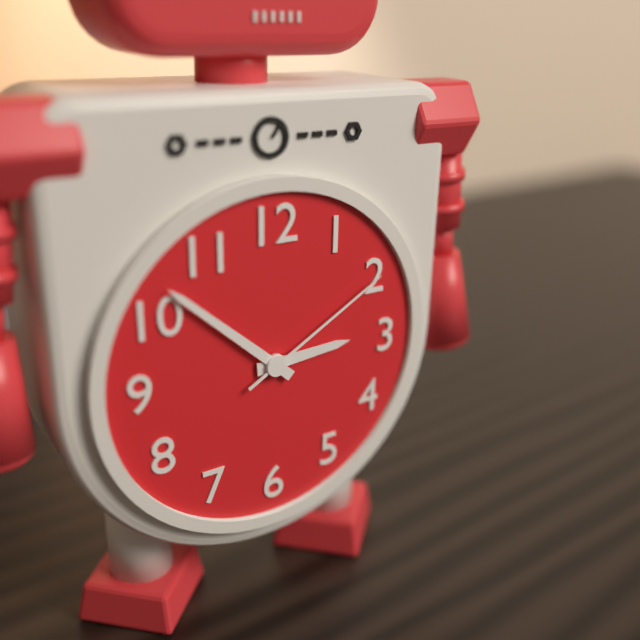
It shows 2 h 52 min 10 s
